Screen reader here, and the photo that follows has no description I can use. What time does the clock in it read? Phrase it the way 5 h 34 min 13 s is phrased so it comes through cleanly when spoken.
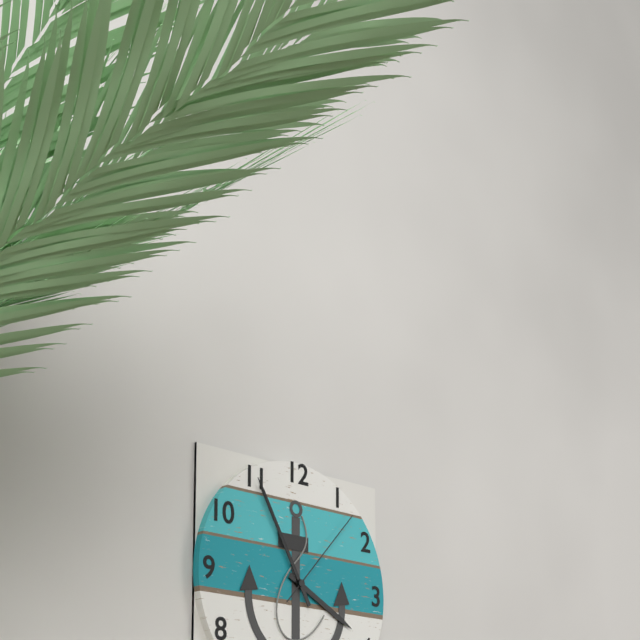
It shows 3 h 55 min 07 s
